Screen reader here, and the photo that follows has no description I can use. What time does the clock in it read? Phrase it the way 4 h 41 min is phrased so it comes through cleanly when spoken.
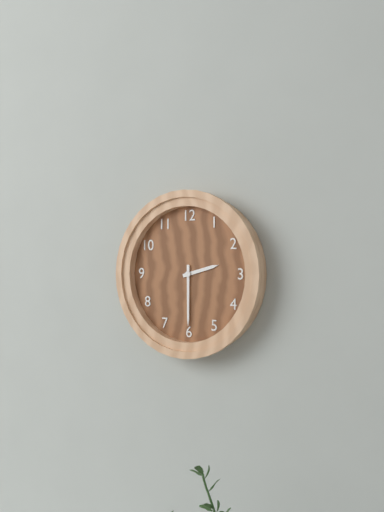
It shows 2 h 30 min
